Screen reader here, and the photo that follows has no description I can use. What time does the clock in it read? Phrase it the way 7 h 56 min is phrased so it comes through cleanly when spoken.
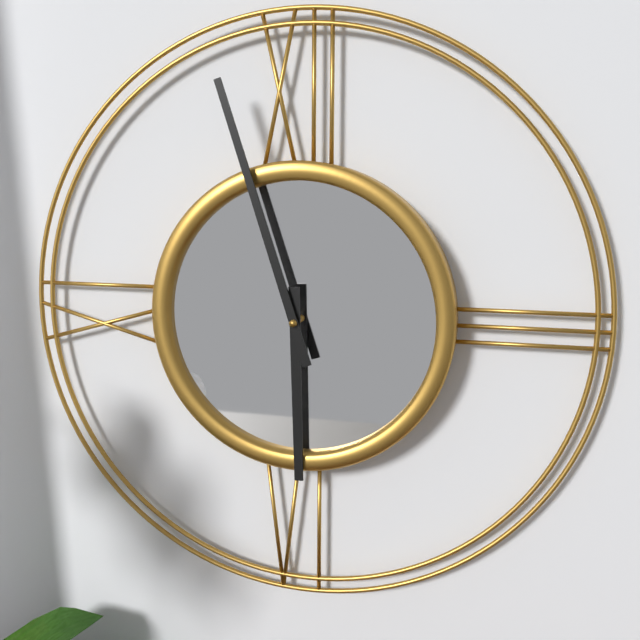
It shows 5 h 57 min
